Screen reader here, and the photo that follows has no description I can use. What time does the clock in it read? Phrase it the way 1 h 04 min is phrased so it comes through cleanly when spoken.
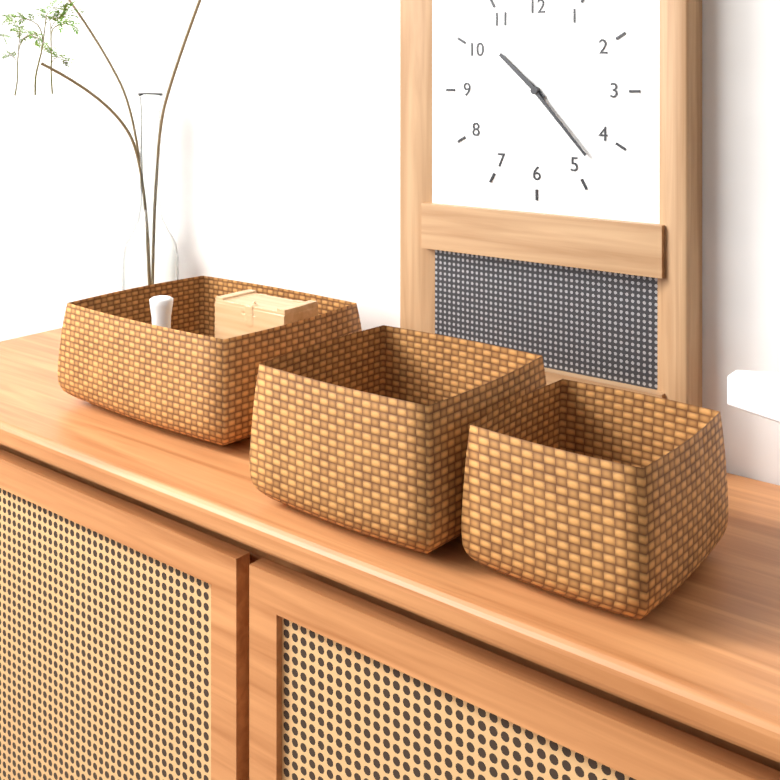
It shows 10 h 23 min
